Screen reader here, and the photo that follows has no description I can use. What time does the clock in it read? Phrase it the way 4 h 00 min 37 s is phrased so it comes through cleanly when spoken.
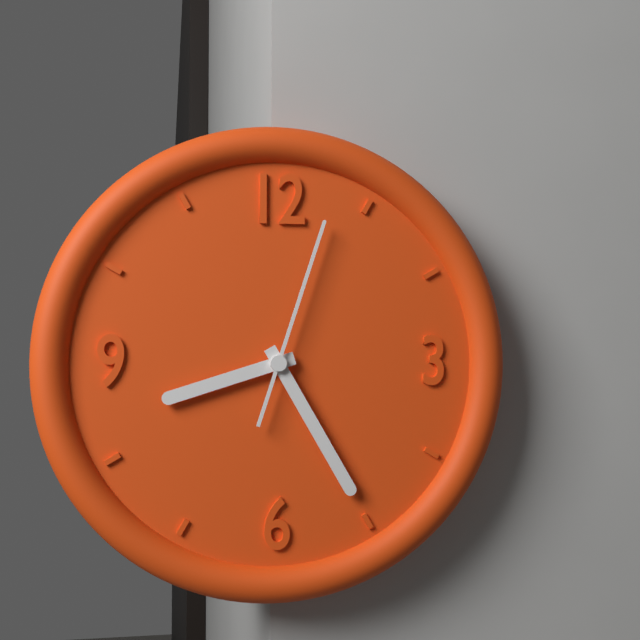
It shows 8 h 25 min 03 s
